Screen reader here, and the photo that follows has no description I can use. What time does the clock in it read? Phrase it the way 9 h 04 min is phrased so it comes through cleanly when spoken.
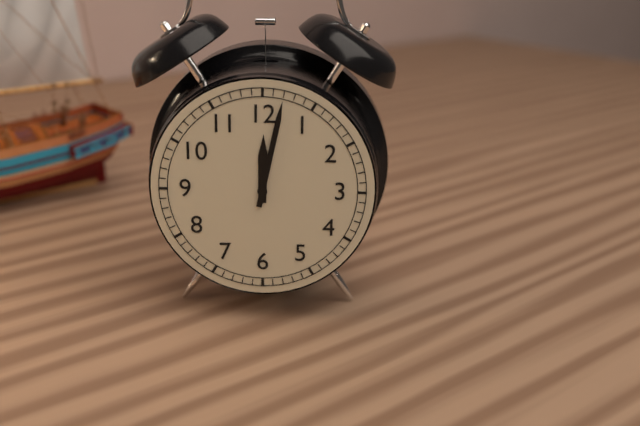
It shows 12 h 02 min
